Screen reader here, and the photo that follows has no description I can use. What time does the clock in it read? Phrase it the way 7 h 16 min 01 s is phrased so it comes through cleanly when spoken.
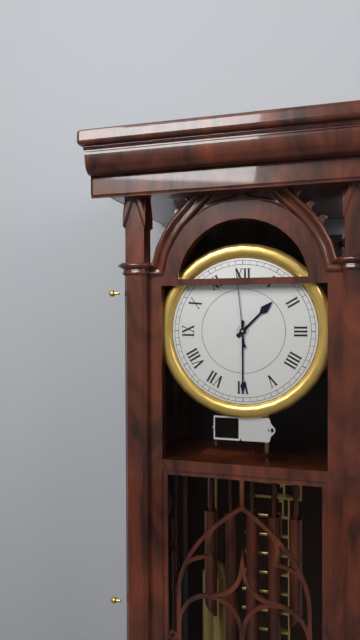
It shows 1 h 30 min 59 s
